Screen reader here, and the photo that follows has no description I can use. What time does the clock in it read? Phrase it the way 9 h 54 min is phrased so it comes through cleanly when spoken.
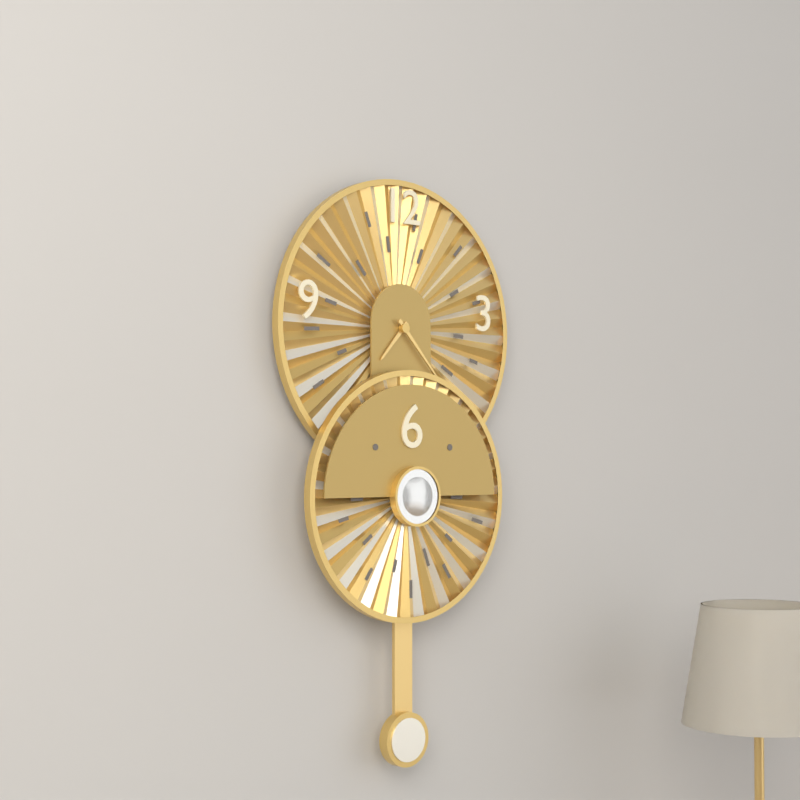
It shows 7 h 23 min
